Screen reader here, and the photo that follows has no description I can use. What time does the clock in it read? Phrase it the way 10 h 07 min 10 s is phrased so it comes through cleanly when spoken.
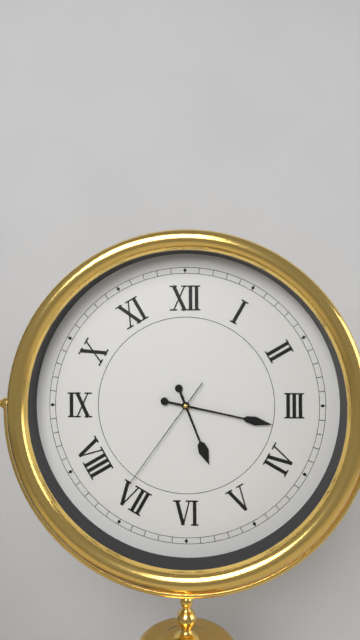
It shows 5 h 17 min 36 s
